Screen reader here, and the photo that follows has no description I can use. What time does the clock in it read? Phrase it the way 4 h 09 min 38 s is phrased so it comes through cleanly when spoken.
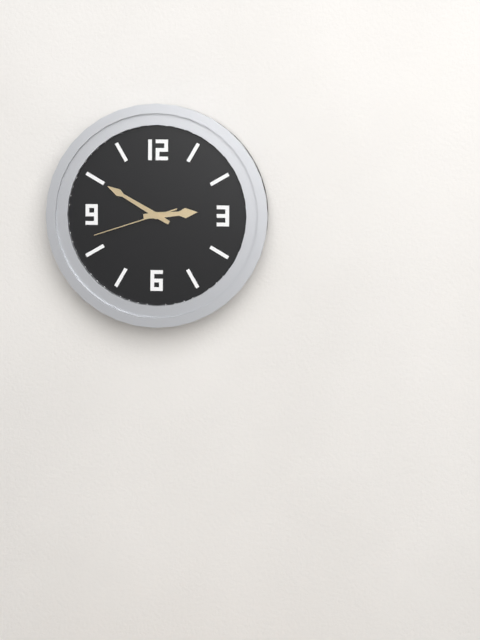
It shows 2 h 50 min 42 s
